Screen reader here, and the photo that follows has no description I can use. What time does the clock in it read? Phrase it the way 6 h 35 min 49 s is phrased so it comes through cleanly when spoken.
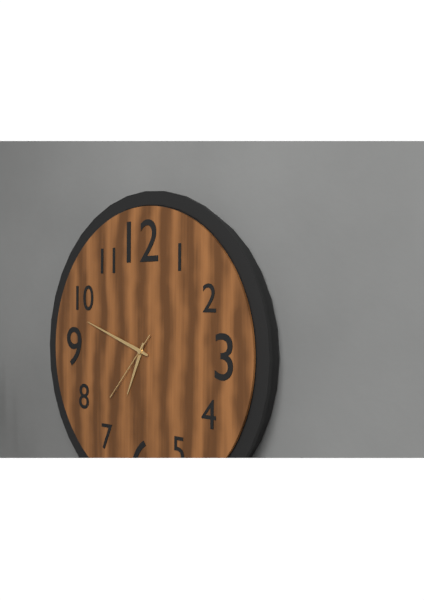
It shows 6 h 48 min 37 s
